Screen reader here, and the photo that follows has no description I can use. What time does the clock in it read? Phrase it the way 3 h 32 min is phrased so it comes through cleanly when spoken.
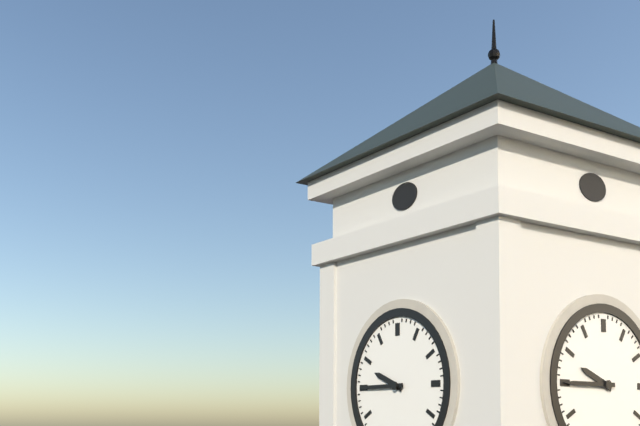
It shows 9 h 45 min
